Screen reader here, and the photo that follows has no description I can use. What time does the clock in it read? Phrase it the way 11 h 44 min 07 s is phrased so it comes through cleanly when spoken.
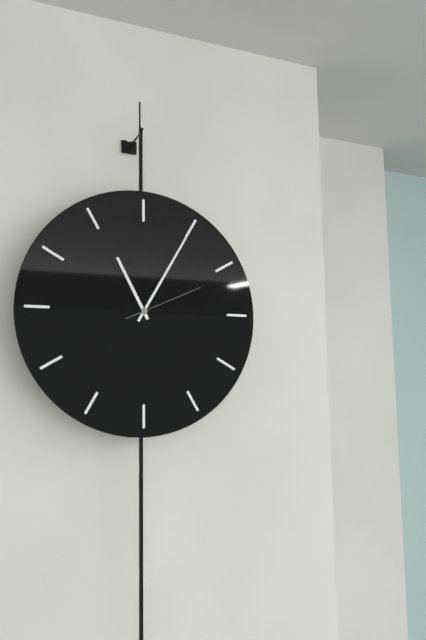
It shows 11 h 05 min 11 s
